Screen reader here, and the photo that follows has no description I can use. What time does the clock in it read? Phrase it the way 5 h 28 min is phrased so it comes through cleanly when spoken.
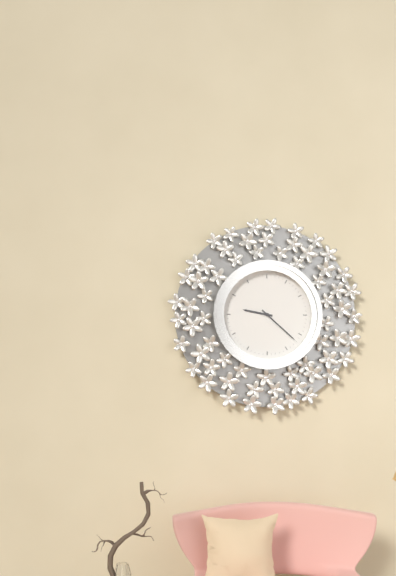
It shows 9 h 22 min
